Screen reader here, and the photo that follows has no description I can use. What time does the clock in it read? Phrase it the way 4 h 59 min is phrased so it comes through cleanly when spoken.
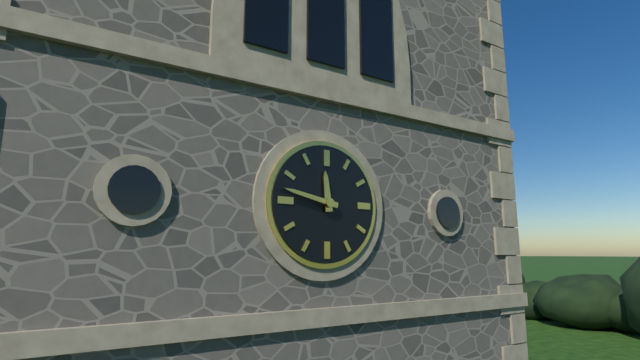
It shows 11 h 47 min
